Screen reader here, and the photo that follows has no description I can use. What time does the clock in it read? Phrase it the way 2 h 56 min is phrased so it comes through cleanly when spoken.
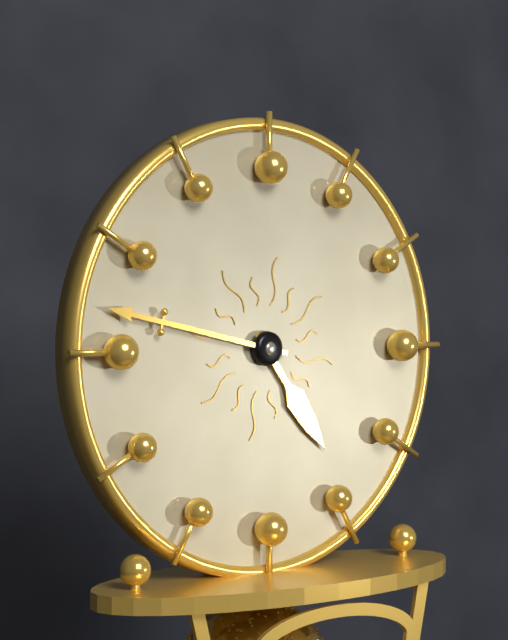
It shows 4 h 47 min
